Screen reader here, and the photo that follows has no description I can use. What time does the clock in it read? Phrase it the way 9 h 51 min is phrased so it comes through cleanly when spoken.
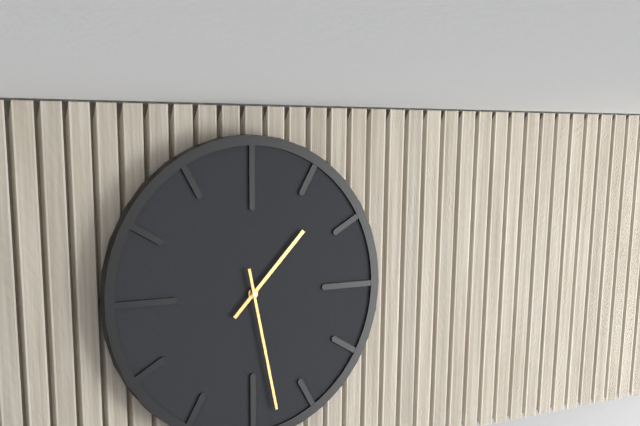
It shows 1 h 28 min
